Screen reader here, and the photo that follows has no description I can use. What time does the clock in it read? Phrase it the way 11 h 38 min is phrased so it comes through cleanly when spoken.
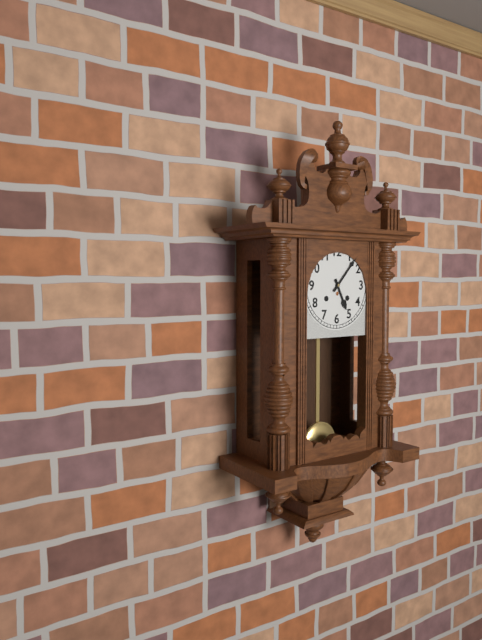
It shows 5 h 07 min
